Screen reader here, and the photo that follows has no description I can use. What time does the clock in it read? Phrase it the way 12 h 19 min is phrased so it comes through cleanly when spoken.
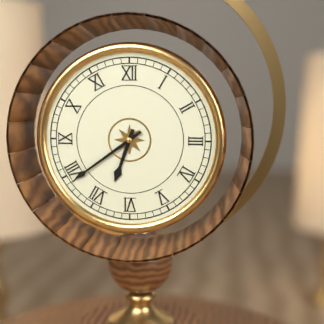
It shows 6 h 39 min
